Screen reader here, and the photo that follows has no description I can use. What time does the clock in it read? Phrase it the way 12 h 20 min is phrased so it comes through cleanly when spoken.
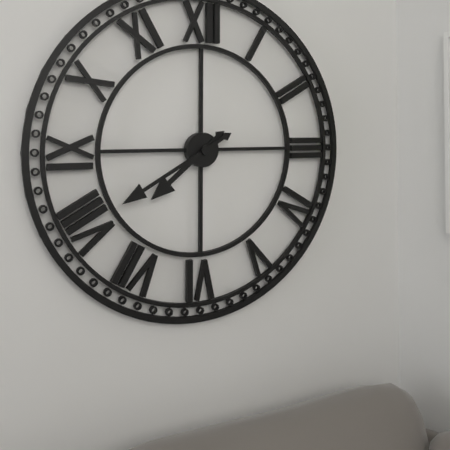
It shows 7 h 40 min
